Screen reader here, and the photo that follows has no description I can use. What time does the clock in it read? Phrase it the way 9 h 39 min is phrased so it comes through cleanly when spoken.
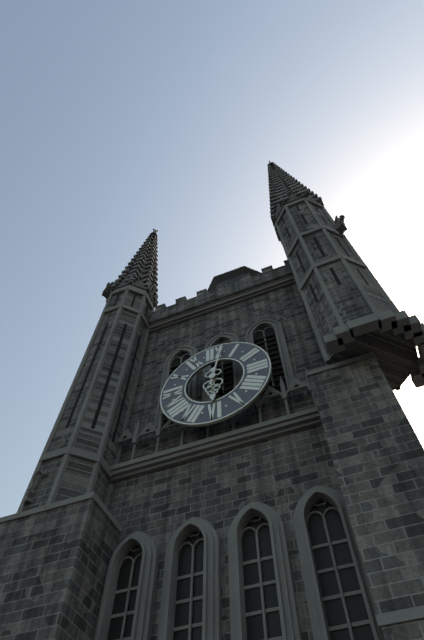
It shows 6 h 02 min
